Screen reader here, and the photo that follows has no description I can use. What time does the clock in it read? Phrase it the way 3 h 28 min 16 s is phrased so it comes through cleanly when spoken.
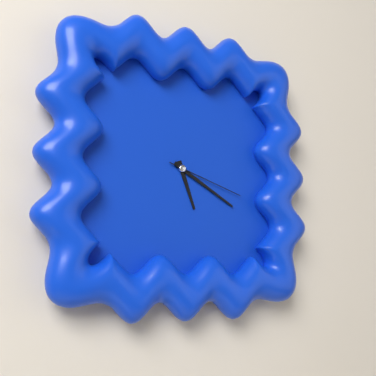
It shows 5 h 20 min 18 s
